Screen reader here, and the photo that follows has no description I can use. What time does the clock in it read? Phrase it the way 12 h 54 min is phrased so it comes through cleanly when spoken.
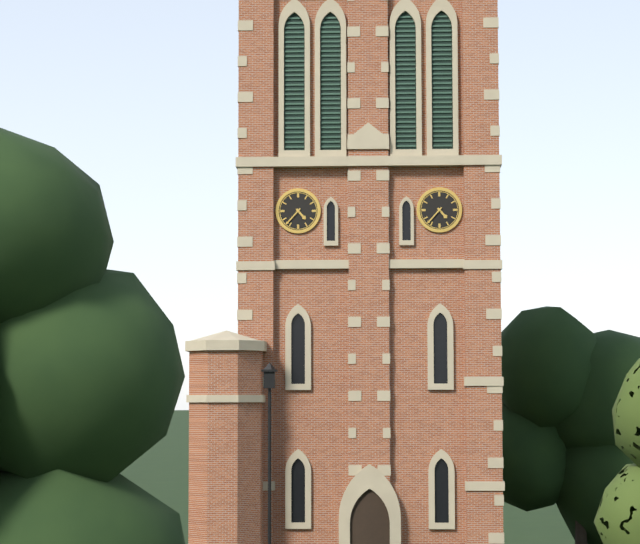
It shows 4 h 37 min
